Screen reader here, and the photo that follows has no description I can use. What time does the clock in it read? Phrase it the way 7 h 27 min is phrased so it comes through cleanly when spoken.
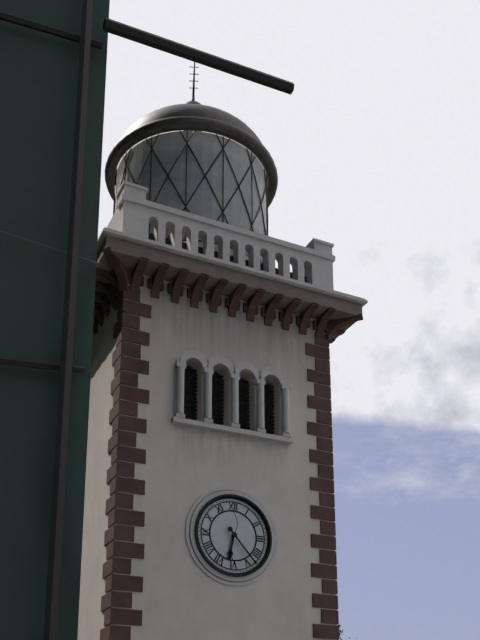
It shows 6 h 23 min
